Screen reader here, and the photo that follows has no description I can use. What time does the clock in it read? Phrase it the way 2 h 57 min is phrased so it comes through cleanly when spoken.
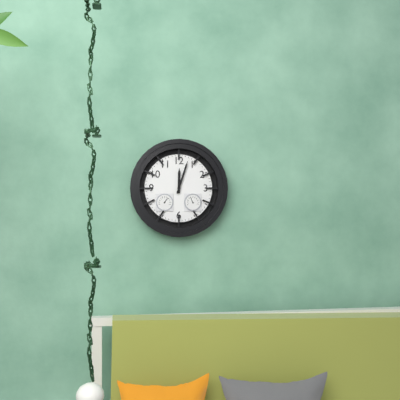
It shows 12 h 03 min
